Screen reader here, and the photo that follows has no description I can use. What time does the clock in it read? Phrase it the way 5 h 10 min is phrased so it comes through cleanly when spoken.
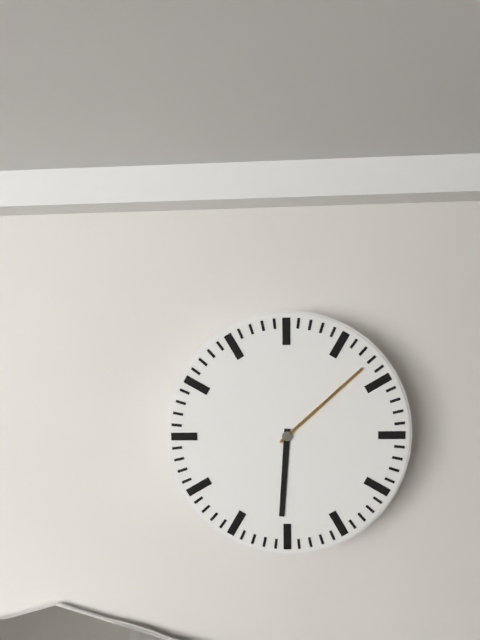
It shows 6 h 08 min
